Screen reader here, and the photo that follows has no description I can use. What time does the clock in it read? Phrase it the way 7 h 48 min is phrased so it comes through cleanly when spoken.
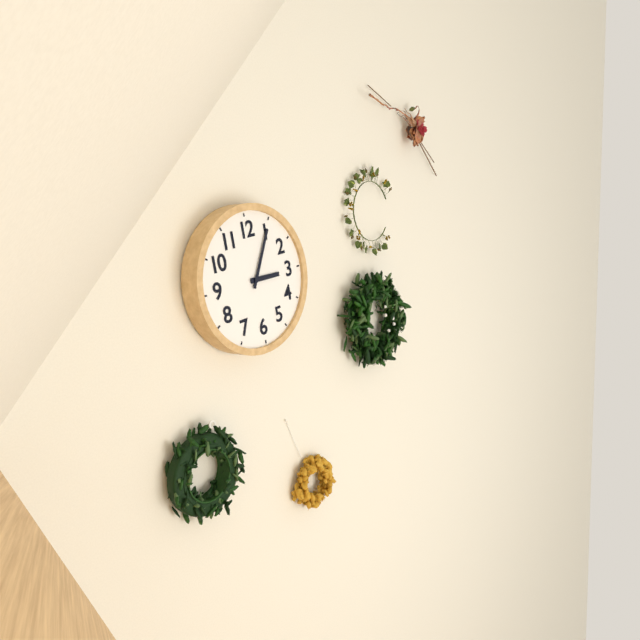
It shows 3 h 05 min
